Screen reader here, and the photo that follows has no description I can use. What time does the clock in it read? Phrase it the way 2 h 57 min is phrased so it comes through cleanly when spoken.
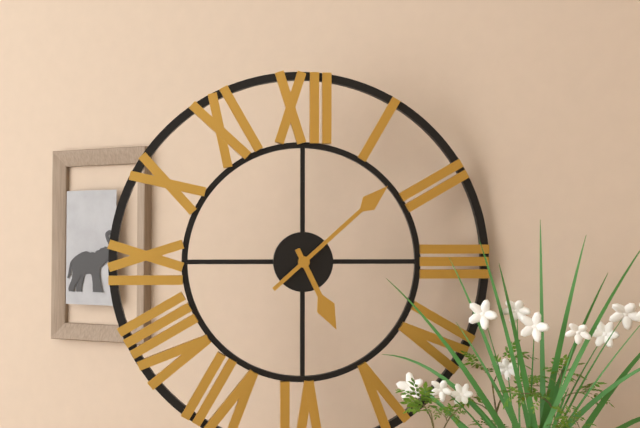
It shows 5 h 08 min
